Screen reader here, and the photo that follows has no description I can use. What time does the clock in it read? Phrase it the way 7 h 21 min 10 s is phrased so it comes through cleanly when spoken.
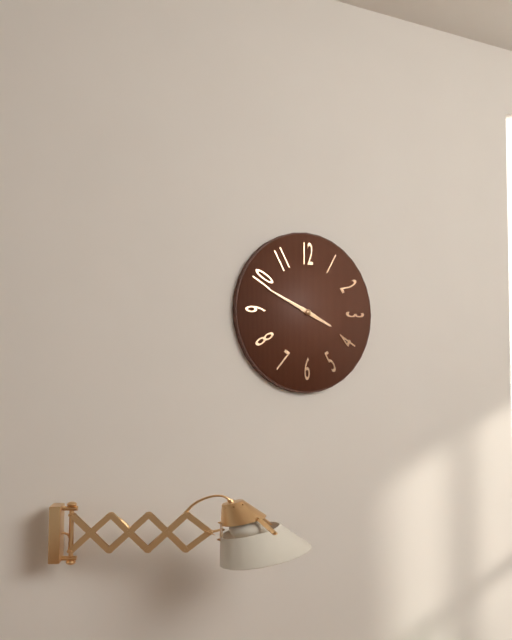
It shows 3 h 49 min 49 s
